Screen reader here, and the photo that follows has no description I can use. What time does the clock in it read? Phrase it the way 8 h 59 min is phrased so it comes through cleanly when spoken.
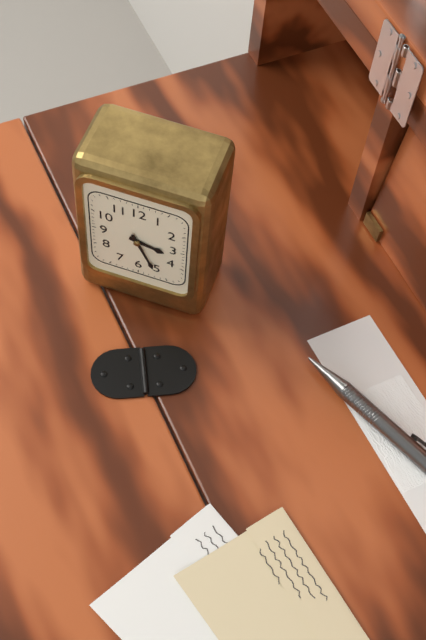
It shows 3 h 26 min
